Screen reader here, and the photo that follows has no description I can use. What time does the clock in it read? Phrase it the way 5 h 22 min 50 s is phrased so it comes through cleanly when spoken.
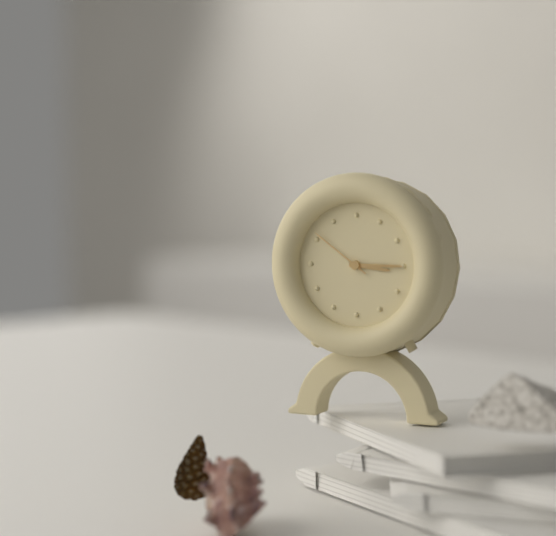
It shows 3 h 15 min 51 s
